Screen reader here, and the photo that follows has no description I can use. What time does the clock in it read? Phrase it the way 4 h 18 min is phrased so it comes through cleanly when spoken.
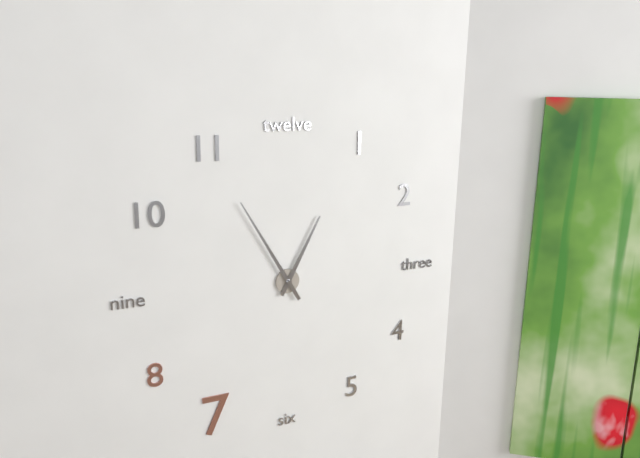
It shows 12 h 55 min
